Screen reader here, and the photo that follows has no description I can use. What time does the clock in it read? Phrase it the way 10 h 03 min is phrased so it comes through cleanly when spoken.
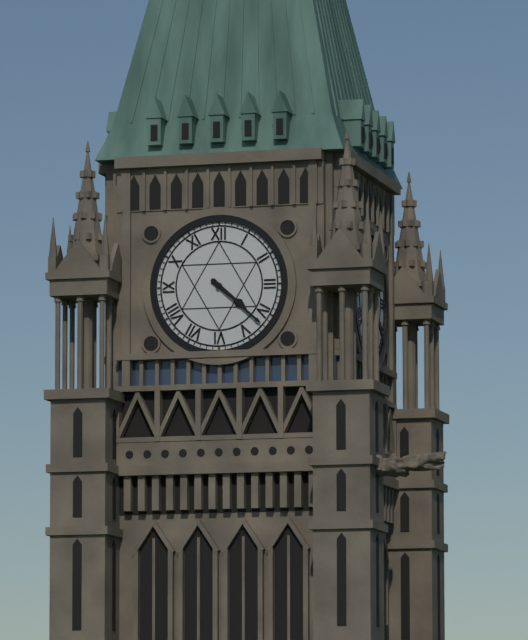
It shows 4 h 22 min
